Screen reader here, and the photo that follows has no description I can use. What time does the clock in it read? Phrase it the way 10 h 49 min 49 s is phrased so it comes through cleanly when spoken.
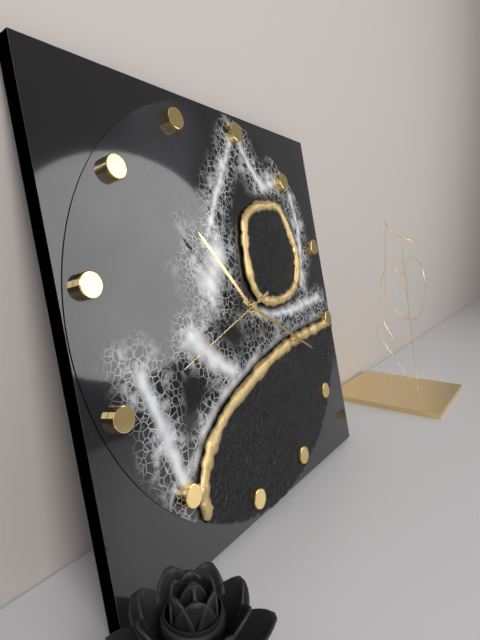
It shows 10 h 18 min 40 s
